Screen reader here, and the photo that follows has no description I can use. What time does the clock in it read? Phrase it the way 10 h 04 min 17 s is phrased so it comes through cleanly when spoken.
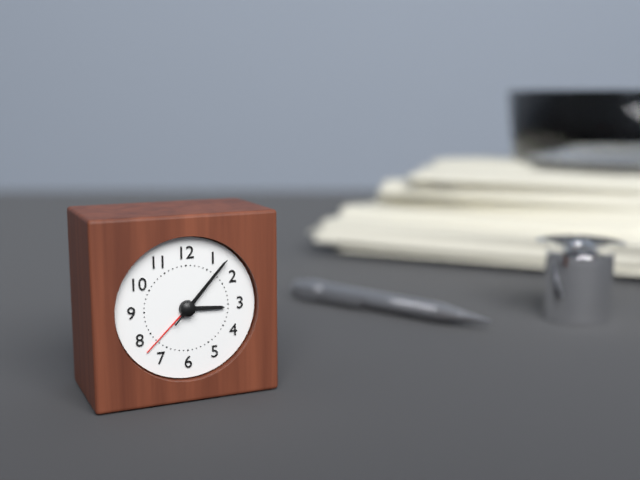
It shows 3 h 07 min 07 s
